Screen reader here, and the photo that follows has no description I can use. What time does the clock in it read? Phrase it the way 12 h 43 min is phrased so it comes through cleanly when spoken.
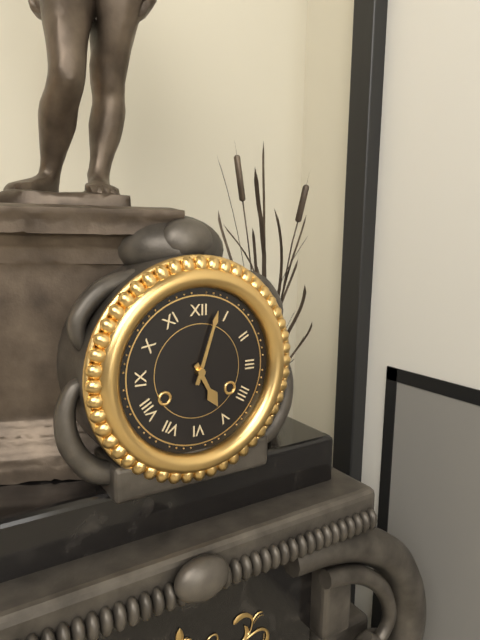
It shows 5 h 03 min
